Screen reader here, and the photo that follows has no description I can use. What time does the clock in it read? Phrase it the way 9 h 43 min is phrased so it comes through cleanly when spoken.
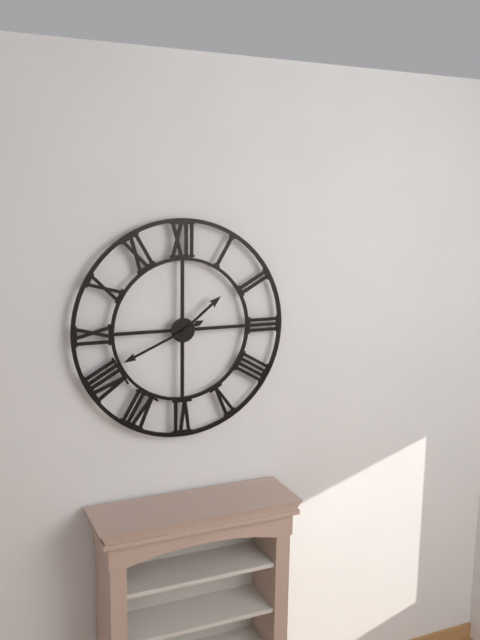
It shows 1 h 41 min
